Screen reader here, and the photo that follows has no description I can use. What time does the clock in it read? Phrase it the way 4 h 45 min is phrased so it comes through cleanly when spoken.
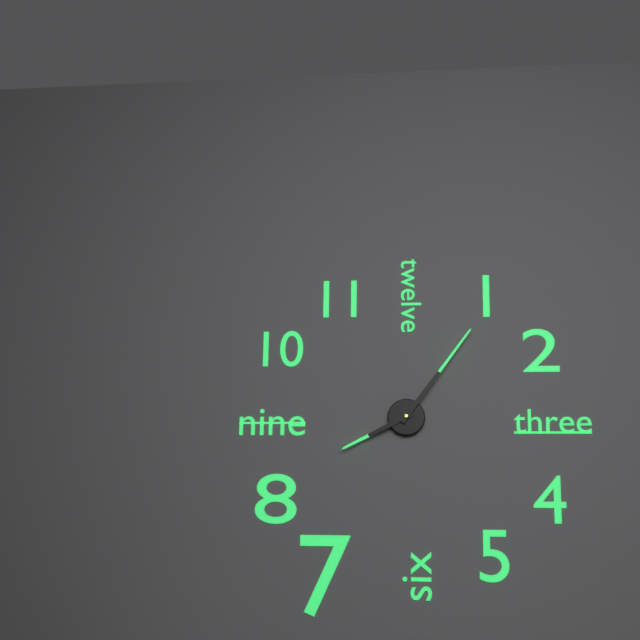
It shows 8 h 06 min
